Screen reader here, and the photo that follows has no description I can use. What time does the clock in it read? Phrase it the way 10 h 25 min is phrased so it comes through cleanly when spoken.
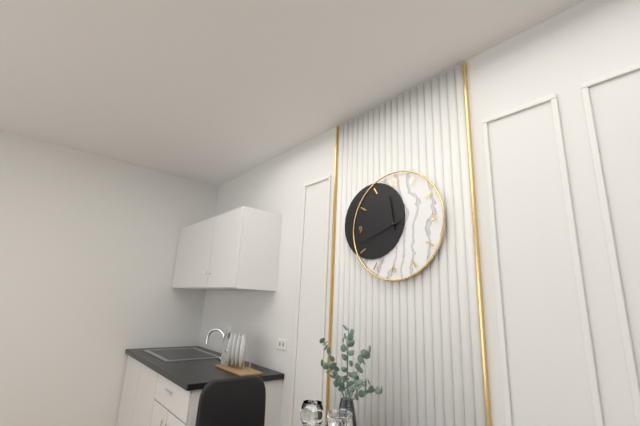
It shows 11 h 42 min
